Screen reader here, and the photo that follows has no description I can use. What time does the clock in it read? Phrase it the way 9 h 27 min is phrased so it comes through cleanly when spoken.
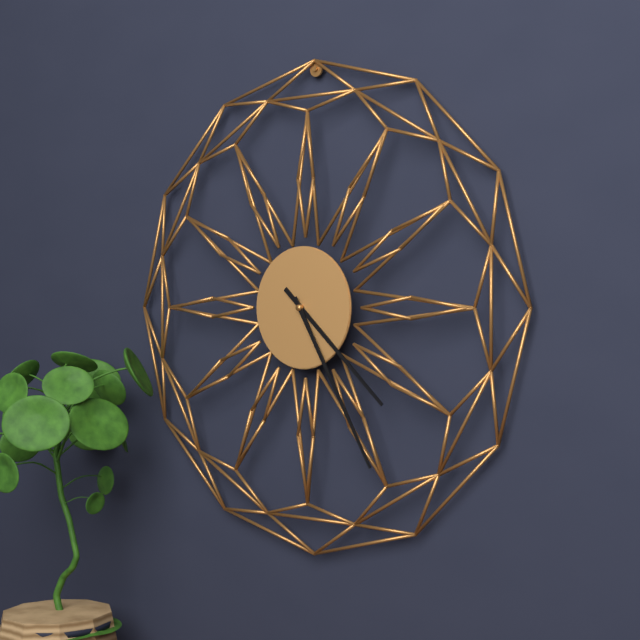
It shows 4 h 25 min
